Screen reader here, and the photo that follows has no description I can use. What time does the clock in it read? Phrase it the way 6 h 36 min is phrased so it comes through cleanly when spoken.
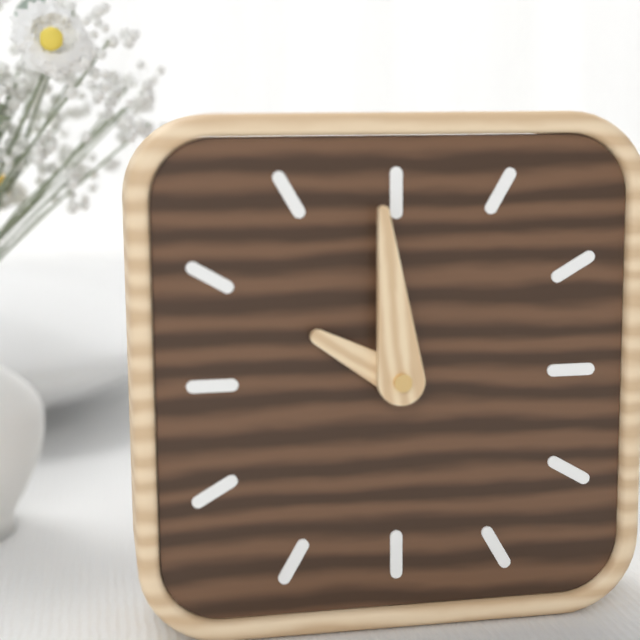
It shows 9 h 59 min
